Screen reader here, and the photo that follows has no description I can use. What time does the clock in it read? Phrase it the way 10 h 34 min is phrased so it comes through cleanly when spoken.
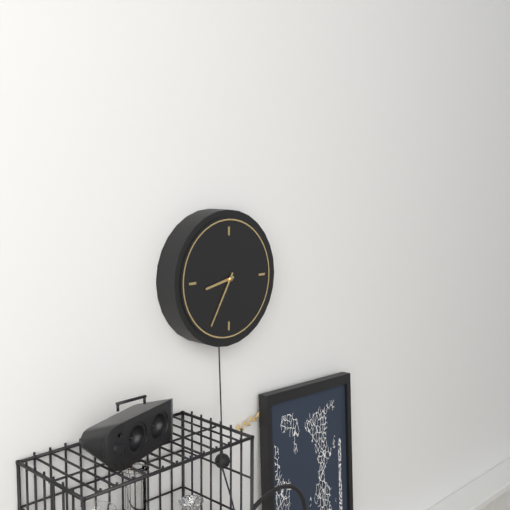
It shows 8 h 35 min
